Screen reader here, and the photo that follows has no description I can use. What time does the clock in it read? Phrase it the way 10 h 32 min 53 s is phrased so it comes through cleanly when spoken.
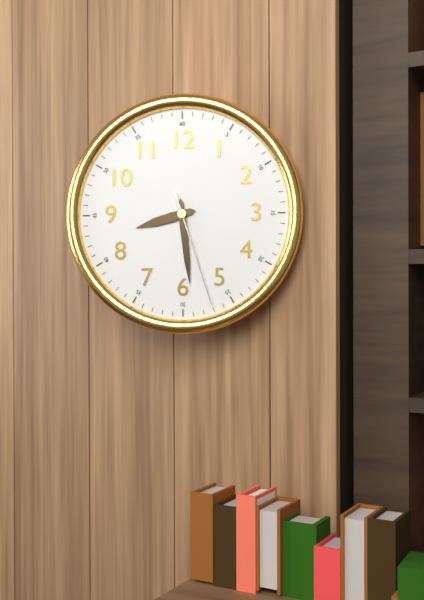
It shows 8 h 29 min 27 s
